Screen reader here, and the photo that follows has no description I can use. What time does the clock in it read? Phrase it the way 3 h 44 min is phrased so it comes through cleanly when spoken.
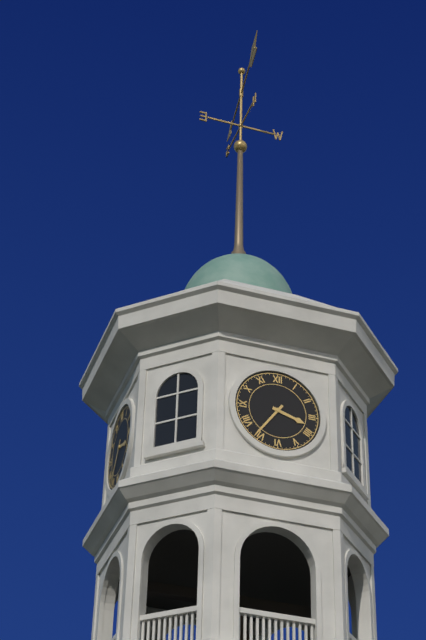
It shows 3 h 36 min
